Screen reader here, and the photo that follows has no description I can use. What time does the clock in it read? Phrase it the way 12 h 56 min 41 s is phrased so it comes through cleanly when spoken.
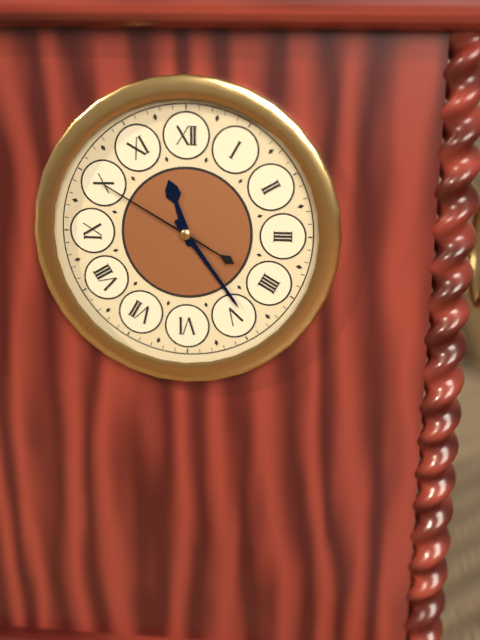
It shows 11 h 24 min 50 s
